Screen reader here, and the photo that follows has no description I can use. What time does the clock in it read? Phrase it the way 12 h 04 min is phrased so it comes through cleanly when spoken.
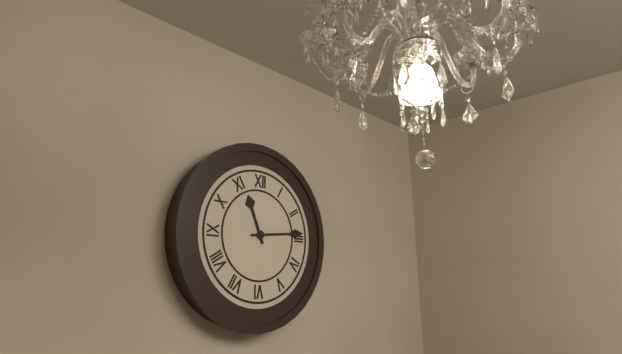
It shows 11 h 14 min
